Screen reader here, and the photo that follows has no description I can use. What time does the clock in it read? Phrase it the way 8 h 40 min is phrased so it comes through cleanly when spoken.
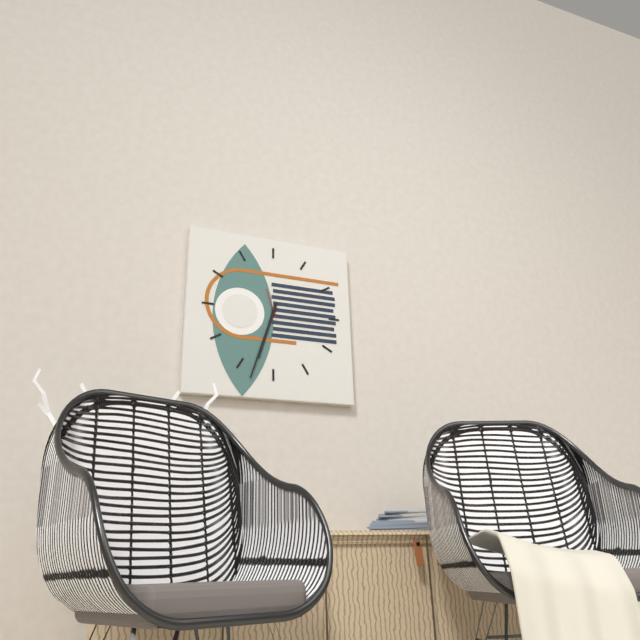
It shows 6 h 33 min
